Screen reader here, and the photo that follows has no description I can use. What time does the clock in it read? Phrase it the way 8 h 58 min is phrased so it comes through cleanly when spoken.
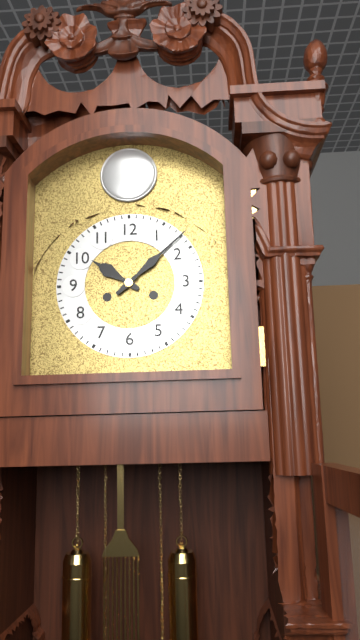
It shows 10 h 08 min
